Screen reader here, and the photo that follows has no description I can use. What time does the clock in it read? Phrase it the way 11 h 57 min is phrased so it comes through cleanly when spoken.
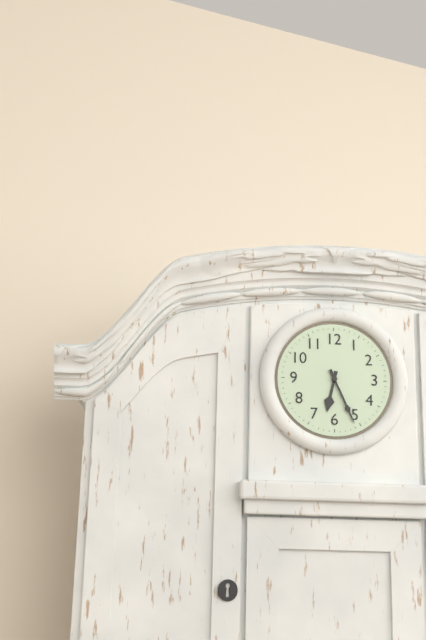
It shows 6 h 26 min
